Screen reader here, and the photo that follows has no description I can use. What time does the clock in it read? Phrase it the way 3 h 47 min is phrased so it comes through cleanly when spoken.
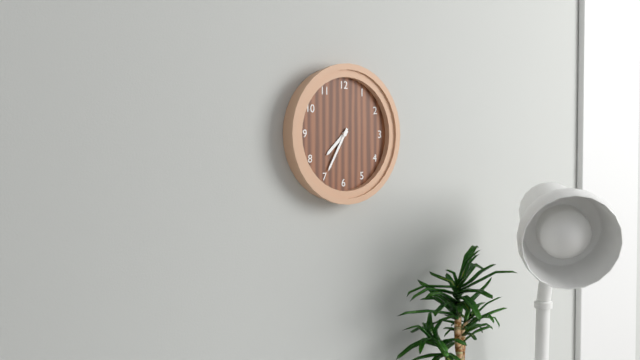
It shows 7 h 35 min
